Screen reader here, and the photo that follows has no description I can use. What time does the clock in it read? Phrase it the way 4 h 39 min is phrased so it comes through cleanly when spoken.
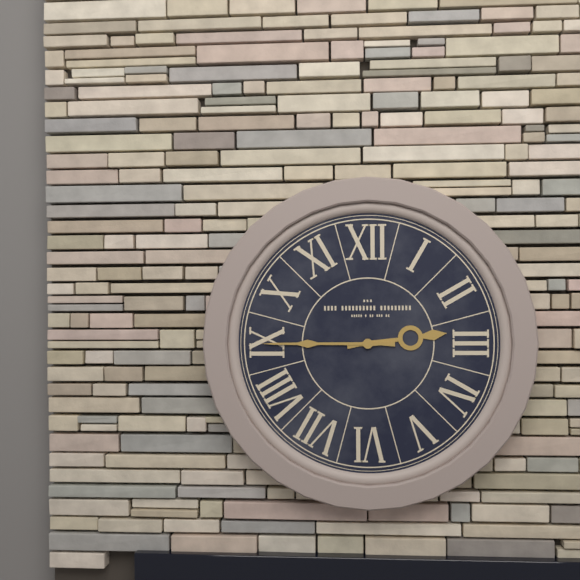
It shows 2 h 45 min
